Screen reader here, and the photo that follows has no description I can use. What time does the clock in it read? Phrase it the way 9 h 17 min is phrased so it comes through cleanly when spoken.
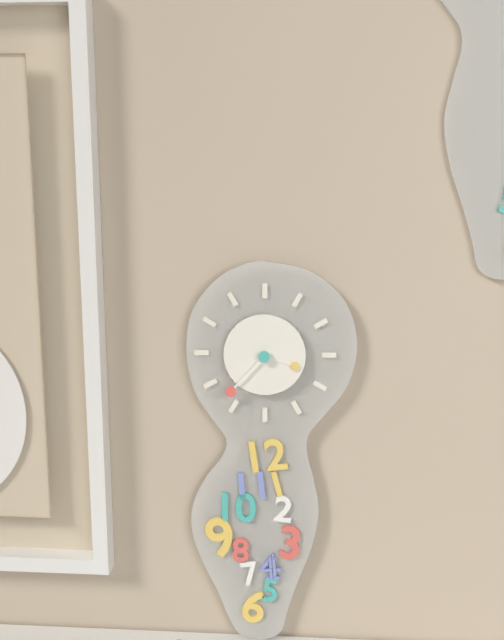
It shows 3 h 37 min
